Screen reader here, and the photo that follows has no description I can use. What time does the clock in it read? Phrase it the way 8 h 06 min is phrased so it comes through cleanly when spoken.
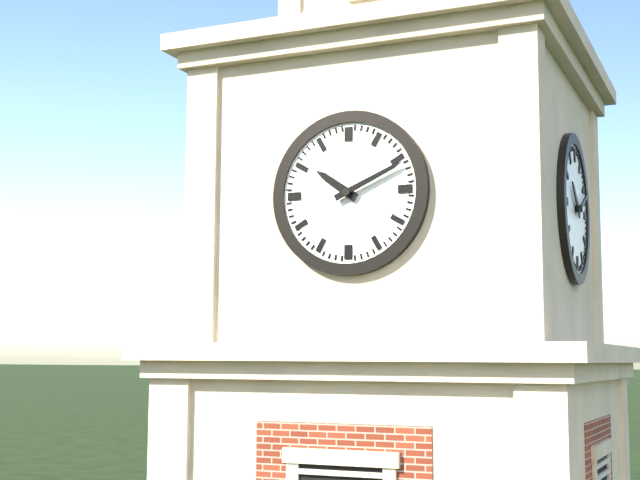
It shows 10 h 11 min
